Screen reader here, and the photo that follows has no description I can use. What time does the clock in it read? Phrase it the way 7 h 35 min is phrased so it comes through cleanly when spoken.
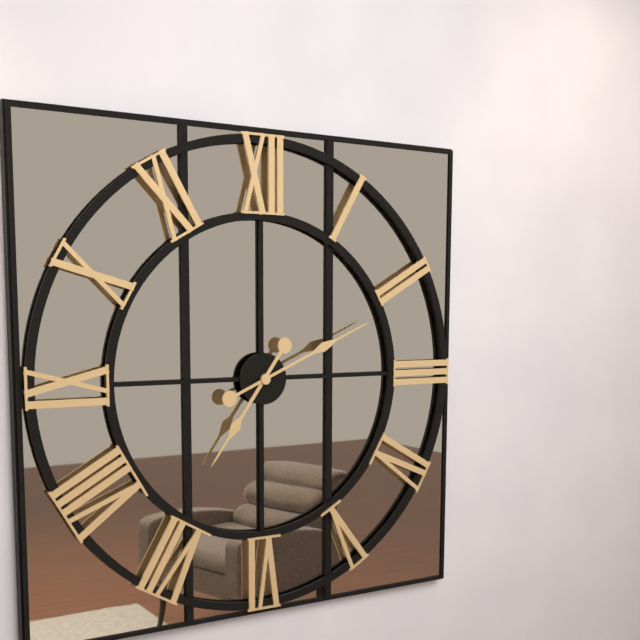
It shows 7 h 11 min
